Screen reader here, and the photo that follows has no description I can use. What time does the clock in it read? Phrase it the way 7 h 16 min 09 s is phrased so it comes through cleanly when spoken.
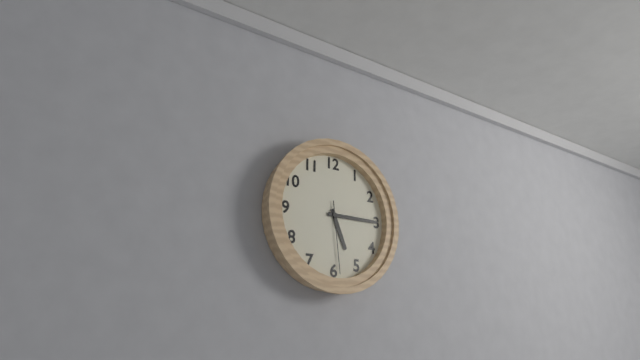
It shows 5 h 15 min 29 s
